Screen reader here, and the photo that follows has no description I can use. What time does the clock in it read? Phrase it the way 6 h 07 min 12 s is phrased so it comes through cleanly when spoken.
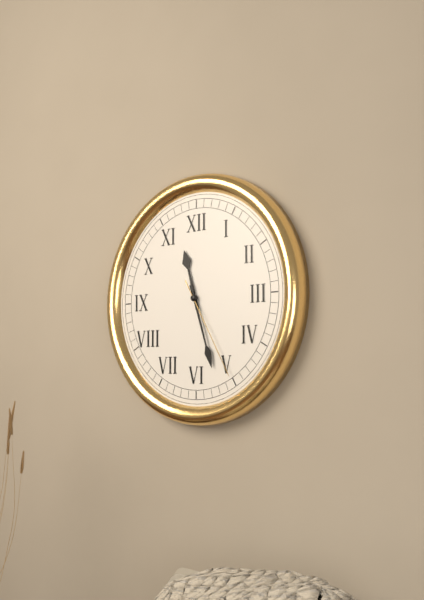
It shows 11 h 27 min 25 s
